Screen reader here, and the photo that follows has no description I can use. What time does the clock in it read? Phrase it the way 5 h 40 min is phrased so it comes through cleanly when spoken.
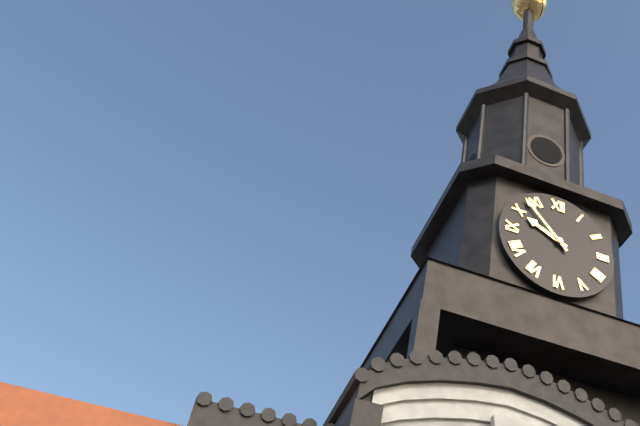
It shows 9 h 53 min
